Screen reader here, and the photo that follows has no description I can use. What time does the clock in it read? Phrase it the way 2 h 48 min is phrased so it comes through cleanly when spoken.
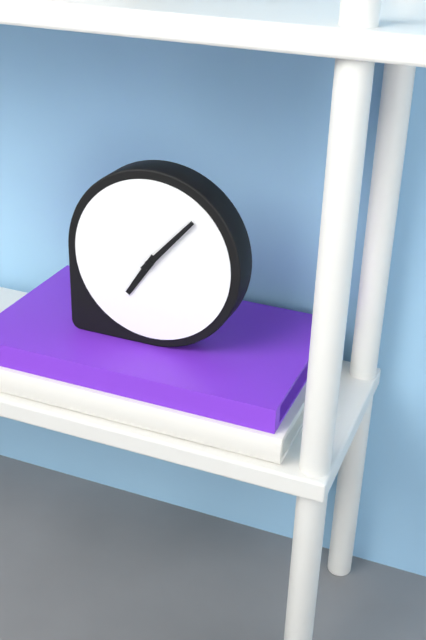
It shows 7 h 07 min
